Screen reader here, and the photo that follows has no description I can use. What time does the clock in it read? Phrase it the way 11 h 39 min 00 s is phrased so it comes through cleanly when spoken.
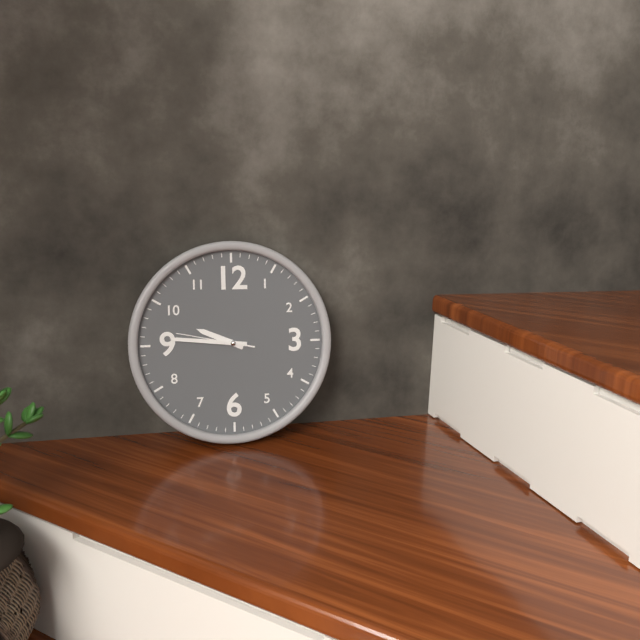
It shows 9 h 46 min 47 s
